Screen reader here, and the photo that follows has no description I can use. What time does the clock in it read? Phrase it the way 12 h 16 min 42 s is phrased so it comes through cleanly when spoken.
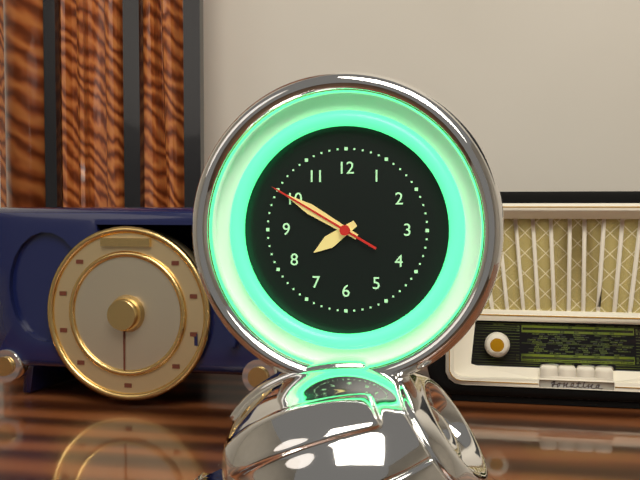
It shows 7 h 50 min 50 s
